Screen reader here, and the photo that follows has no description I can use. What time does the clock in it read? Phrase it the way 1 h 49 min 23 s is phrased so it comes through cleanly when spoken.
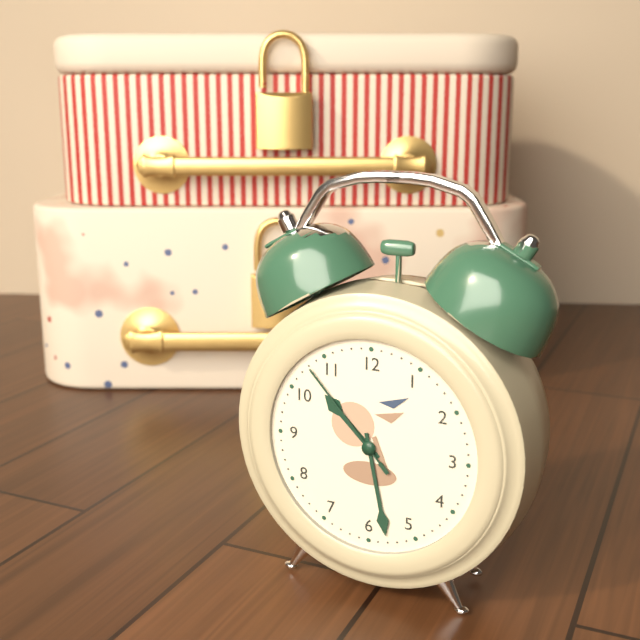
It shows 10 h 28 min 53 s
